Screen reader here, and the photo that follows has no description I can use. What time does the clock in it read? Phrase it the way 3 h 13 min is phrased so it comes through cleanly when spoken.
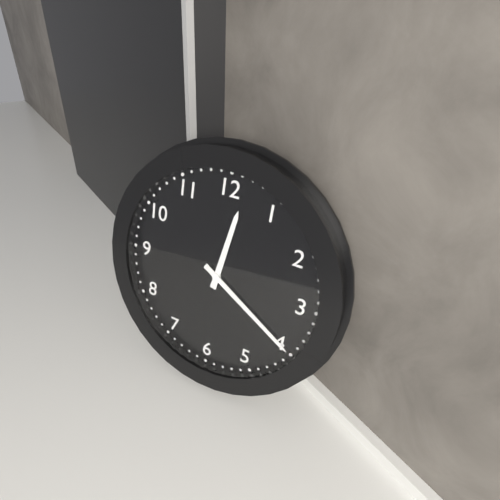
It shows 12 h 20 min
